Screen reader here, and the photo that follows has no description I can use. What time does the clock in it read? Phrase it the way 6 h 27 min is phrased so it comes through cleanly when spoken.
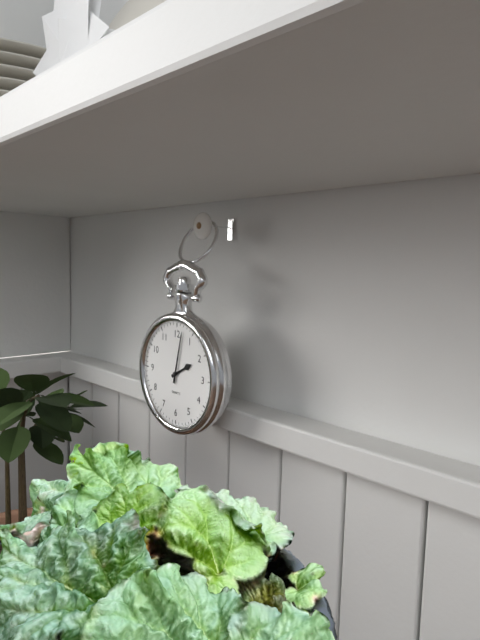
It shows 2 h 02 min
